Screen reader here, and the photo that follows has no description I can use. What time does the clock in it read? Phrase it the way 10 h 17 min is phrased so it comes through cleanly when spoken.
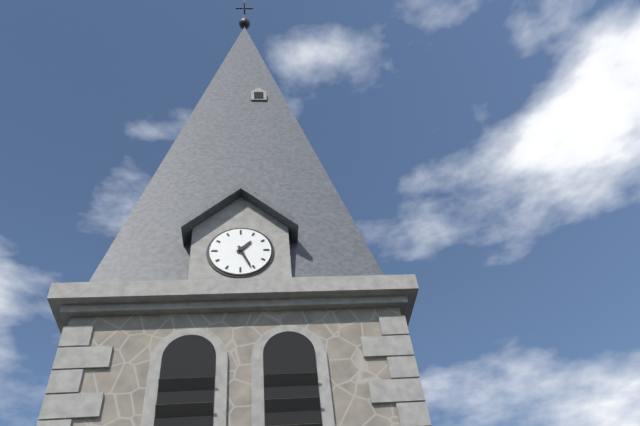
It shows 1 h 26 min
